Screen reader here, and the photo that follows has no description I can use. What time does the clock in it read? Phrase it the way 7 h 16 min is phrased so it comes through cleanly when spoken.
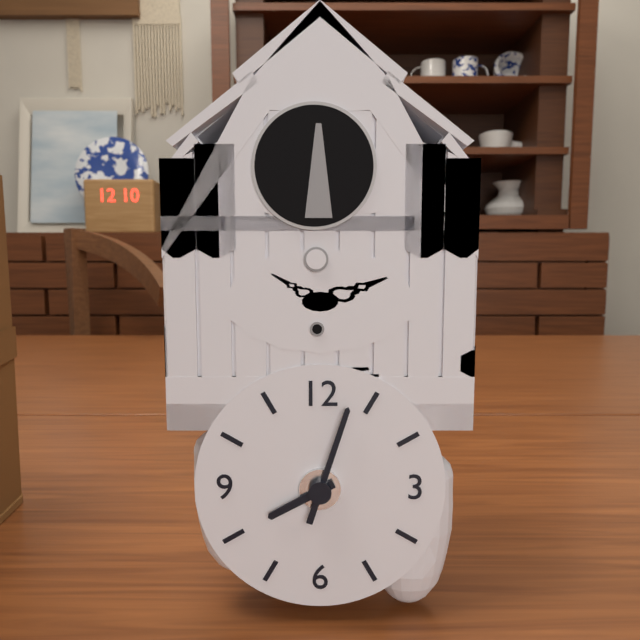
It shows 8 h 03 min
